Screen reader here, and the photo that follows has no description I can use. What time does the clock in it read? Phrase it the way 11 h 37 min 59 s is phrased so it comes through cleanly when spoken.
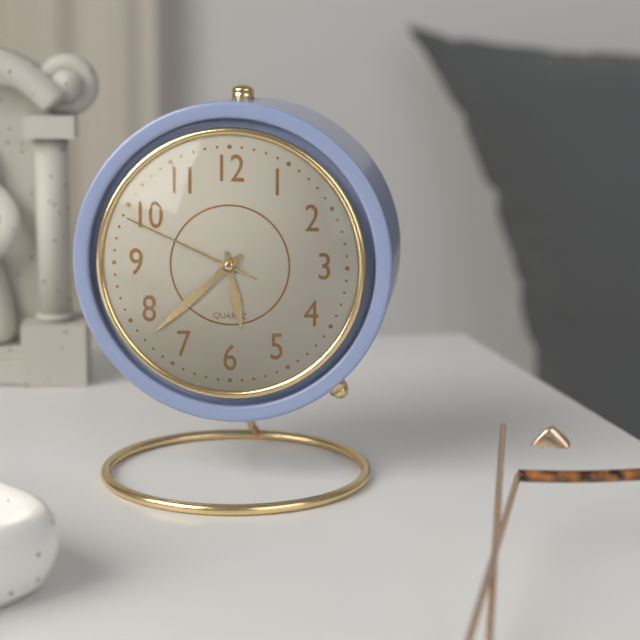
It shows 5 h 38 min 49 s
